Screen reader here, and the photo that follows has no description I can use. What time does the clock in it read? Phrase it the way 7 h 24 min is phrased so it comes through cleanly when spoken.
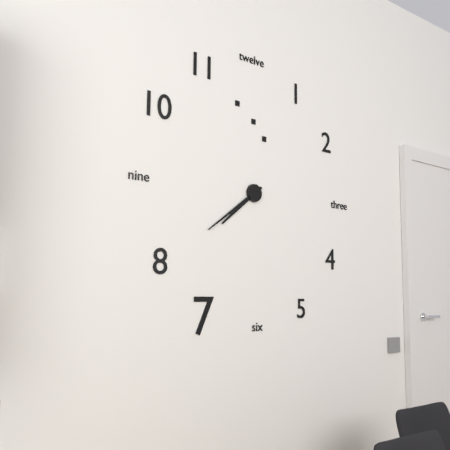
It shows 7 h 39 min
